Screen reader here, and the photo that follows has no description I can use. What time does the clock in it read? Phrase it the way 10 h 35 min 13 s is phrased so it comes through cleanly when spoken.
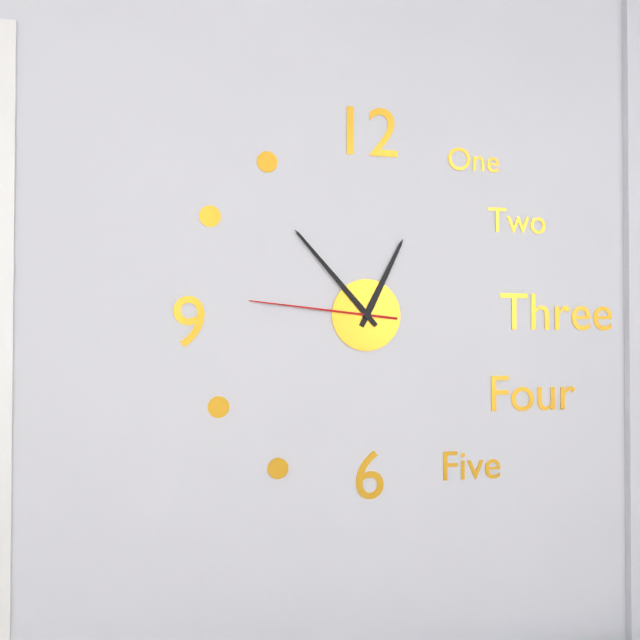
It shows 12 h 53 min 46 s
